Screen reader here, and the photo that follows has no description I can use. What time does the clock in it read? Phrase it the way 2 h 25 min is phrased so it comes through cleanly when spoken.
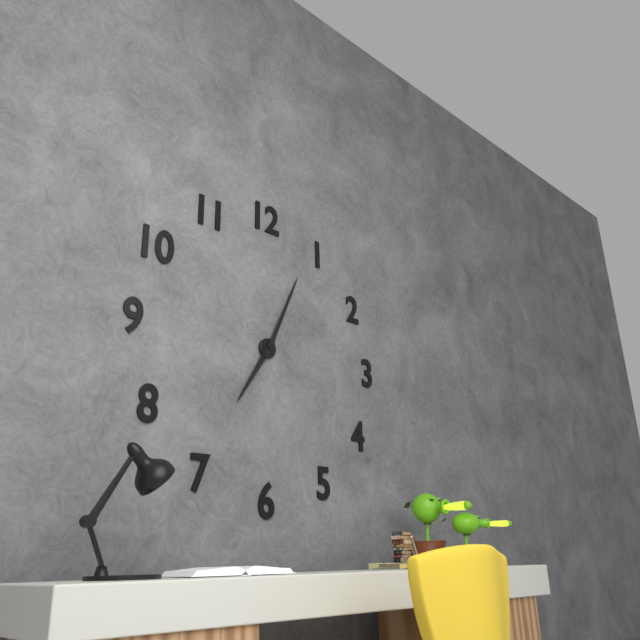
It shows 7 h 04 min
